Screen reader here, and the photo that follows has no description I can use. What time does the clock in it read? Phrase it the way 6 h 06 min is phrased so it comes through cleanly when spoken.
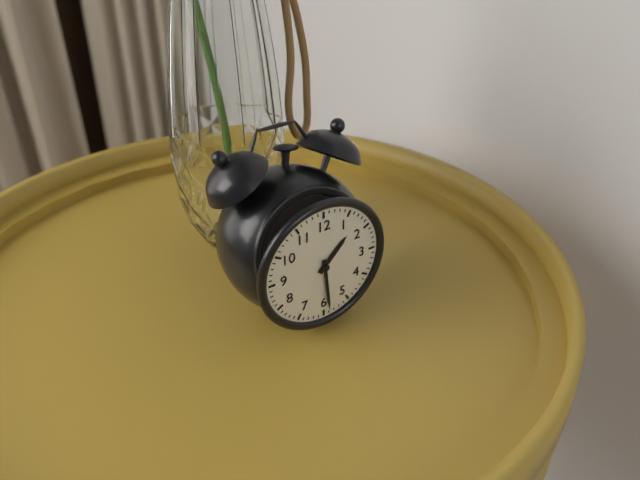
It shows 1 h 29 min
